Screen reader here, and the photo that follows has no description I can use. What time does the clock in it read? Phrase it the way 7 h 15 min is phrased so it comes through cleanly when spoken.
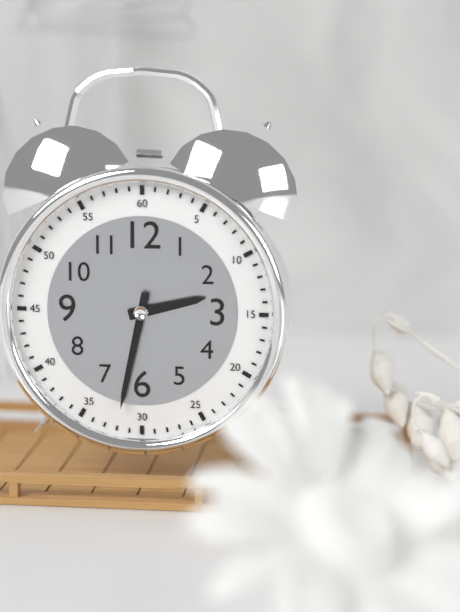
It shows 2 h 32 min
